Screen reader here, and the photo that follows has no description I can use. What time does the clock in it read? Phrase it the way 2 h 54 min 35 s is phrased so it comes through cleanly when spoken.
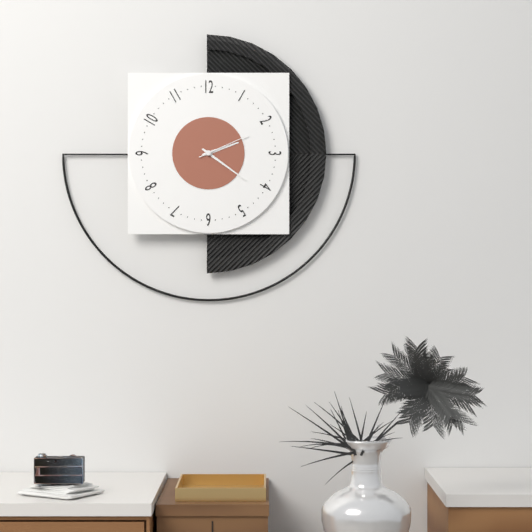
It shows 2 h 21 min 11 s
